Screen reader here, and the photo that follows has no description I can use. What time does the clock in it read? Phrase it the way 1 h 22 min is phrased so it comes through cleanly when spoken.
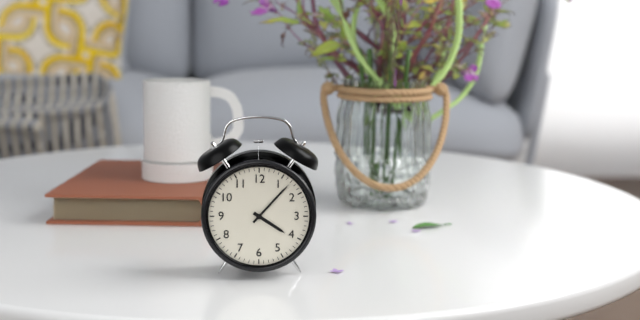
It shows 4 h 07 min
